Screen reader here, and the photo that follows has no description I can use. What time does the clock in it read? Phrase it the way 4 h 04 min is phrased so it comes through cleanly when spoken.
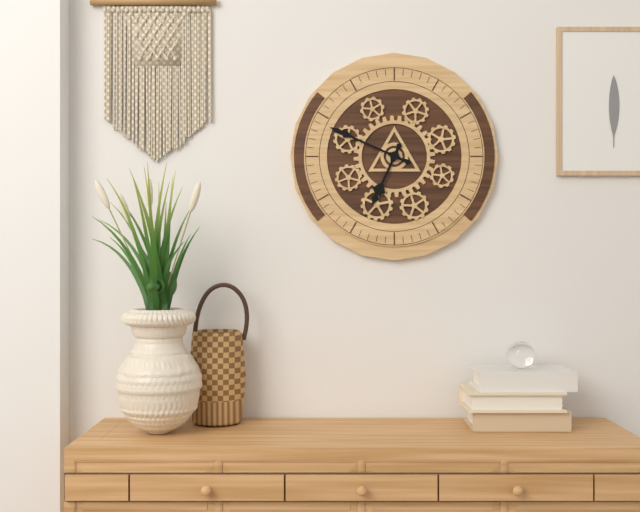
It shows 6 h 49 min
